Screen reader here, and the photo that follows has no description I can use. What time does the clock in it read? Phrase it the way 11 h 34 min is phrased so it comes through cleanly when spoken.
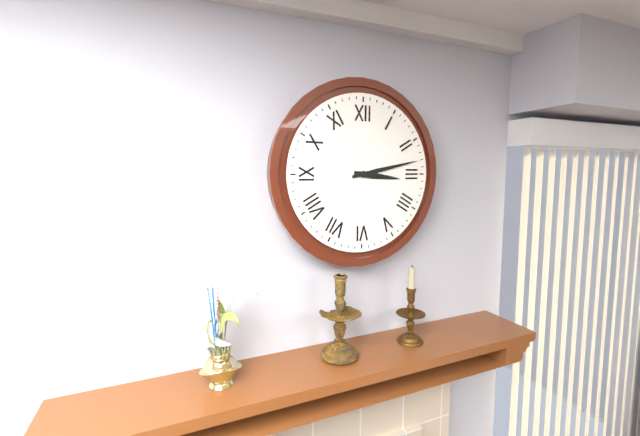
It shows 3 h 13 min
